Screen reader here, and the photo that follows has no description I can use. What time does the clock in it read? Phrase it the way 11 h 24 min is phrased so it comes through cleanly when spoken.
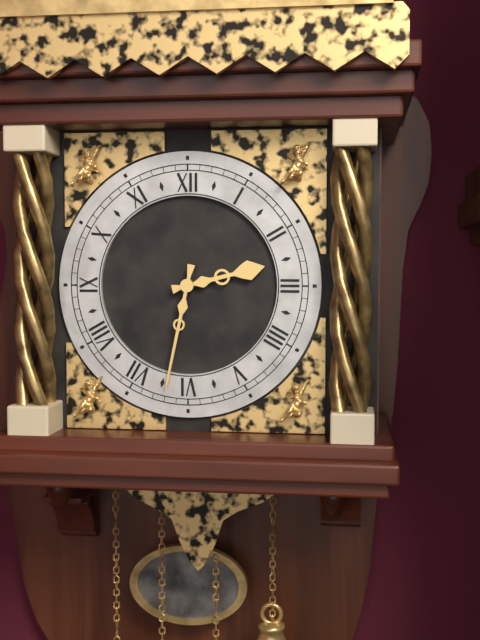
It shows 2 h 32 min
